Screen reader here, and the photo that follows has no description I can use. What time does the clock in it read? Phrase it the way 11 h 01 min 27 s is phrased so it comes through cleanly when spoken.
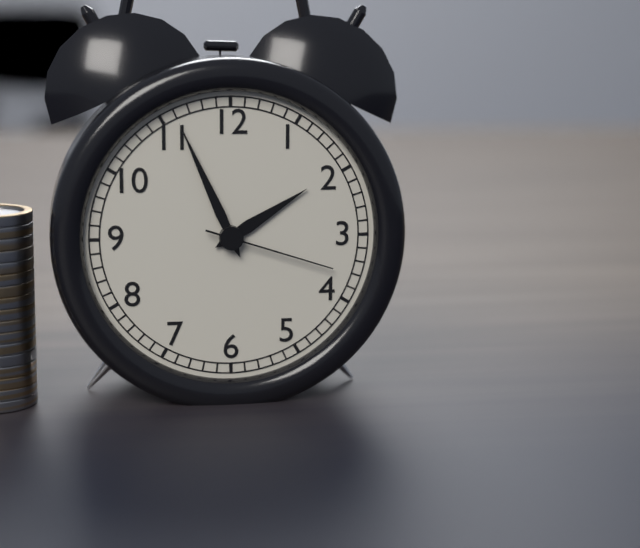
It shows 1 h 56 min 18 s
